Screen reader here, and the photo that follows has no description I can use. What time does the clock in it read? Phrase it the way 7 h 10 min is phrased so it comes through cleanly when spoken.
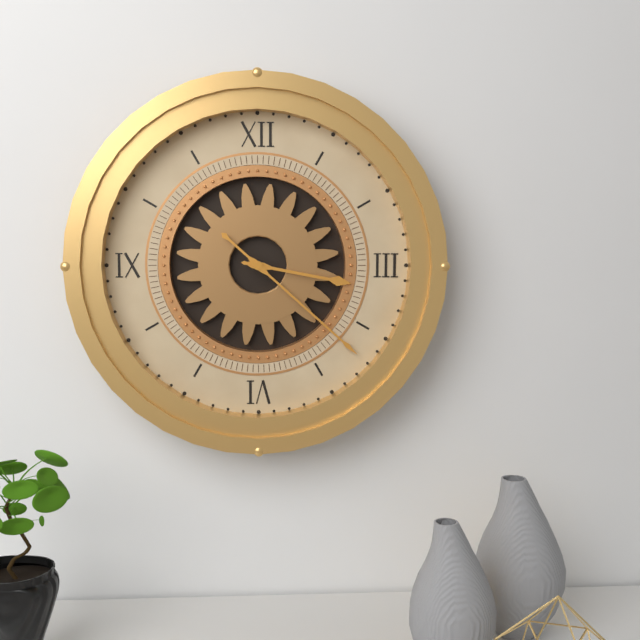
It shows 3 h 22 min
